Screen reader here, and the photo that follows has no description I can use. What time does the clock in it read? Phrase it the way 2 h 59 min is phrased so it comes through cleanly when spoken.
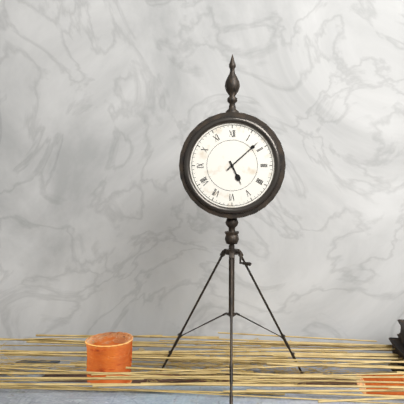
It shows 5 h 08 min
